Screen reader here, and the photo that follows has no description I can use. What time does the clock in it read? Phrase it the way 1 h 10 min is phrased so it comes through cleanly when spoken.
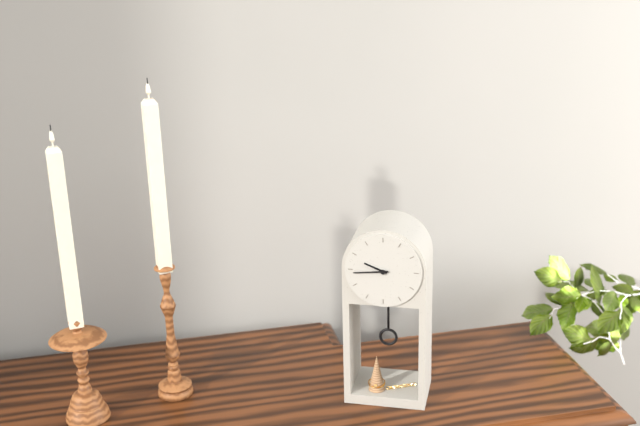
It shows 9 h 44 min
